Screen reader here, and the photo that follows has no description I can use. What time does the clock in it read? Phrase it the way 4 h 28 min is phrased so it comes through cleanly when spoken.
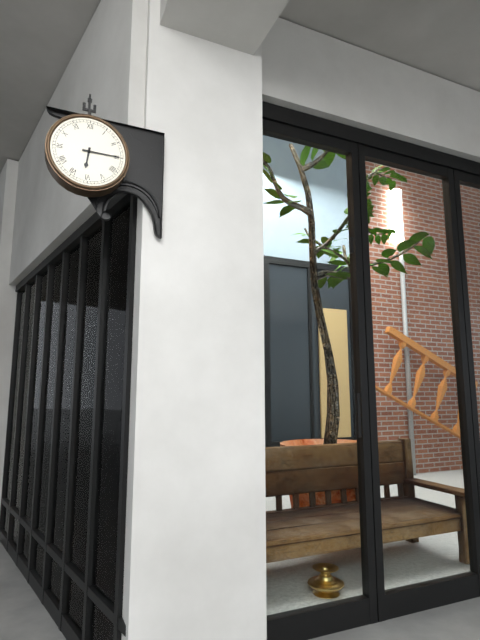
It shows 6 h 15 min
